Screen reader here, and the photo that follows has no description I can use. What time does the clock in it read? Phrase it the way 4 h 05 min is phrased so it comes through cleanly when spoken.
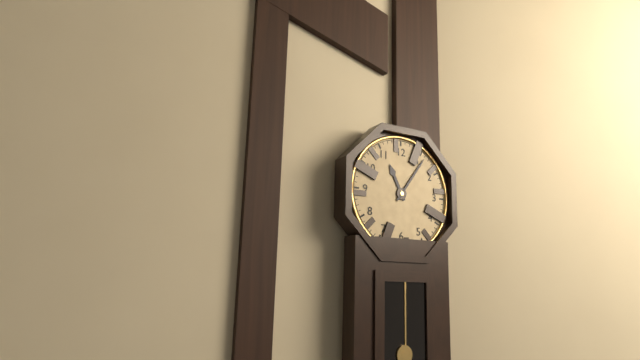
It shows 11 h 06 min
